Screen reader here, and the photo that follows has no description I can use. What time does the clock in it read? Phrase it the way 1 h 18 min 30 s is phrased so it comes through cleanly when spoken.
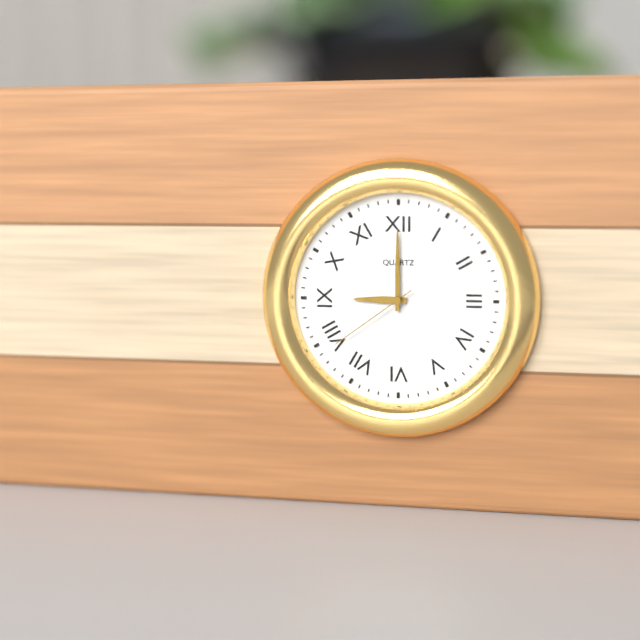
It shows 9 h 00 min 39 s
